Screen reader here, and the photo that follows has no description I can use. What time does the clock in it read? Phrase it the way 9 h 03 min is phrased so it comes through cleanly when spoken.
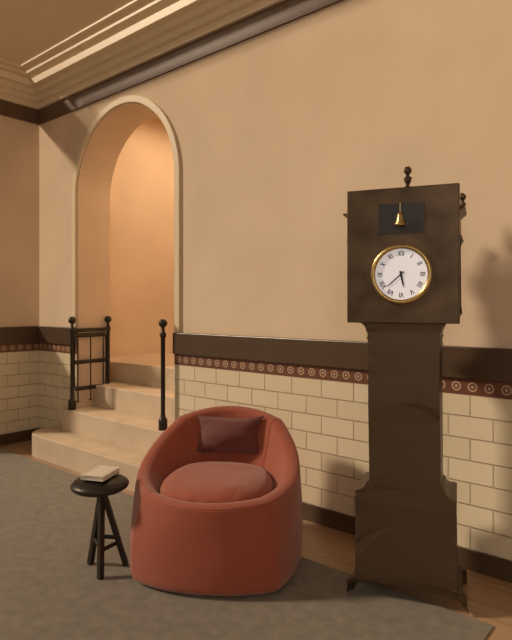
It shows 5 h 38 min
